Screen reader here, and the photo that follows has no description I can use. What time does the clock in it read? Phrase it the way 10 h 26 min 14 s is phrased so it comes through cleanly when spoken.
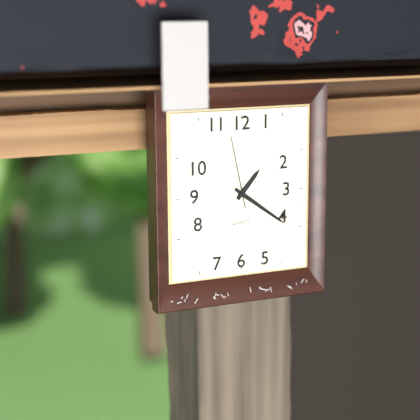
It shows 1 h 21 min 58 s
